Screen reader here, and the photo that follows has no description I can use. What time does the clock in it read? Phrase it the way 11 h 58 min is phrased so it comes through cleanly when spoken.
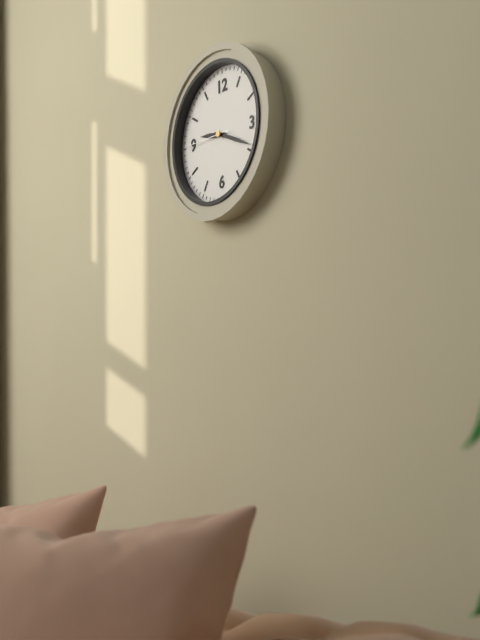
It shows 9 h 19 min
